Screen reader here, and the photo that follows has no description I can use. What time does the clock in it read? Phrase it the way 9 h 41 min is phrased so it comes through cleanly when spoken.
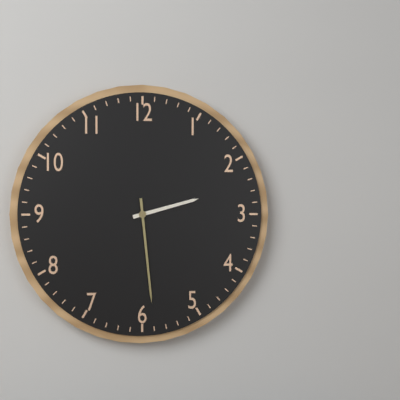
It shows 2 h 29 min
